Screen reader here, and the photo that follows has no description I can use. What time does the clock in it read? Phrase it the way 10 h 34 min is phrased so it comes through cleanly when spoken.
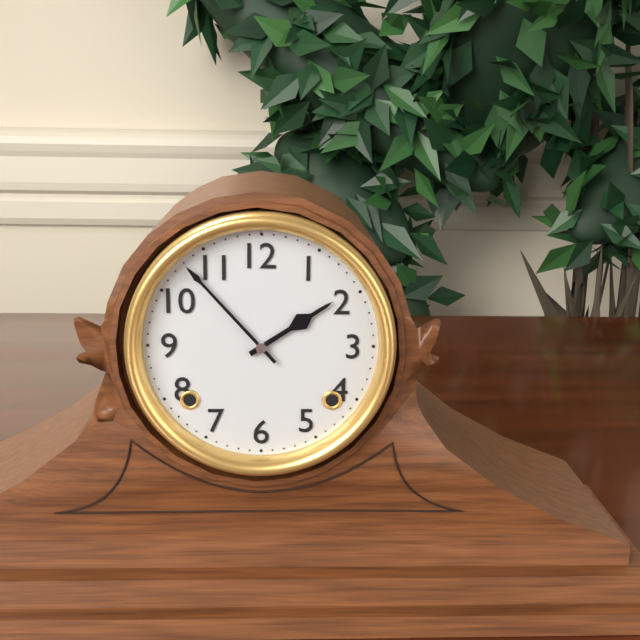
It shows 1 h 53 min
